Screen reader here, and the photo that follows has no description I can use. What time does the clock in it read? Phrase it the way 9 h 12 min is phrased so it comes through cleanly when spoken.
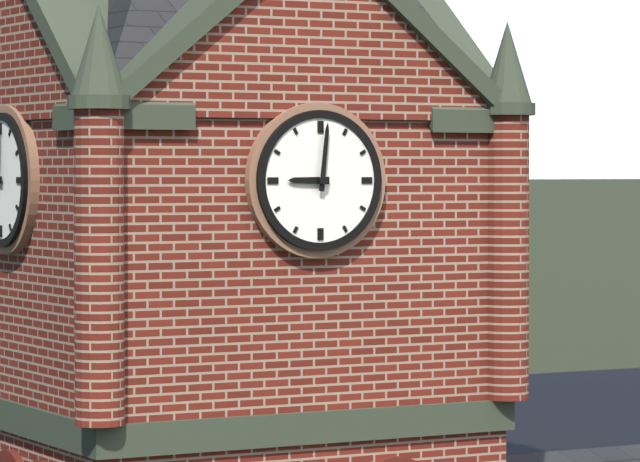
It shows 9 h 01 min
